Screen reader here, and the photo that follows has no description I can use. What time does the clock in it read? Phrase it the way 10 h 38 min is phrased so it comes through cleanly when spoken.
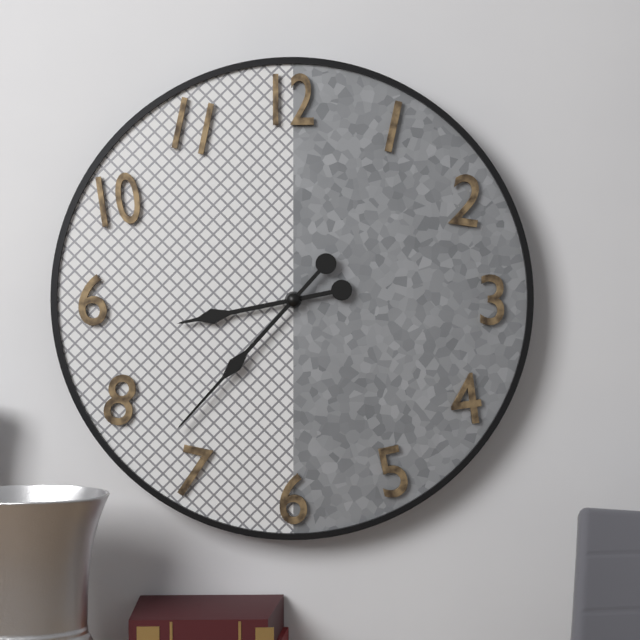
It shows 8 h 37 min
